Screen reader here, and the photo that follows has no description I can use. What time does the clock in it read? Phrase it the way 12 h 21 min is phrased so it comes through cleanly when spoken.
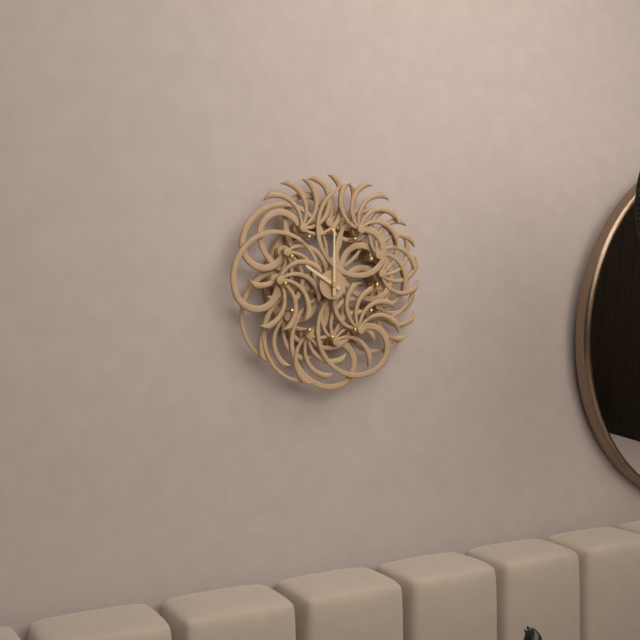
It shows 10 h 00 min
